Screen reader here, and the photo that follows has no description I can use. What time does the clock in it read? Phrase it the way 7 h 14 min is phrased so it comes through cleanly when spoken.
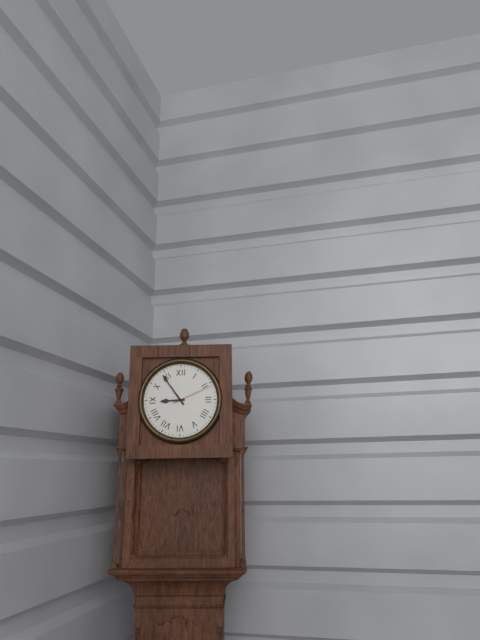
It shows 8 h 54 min
